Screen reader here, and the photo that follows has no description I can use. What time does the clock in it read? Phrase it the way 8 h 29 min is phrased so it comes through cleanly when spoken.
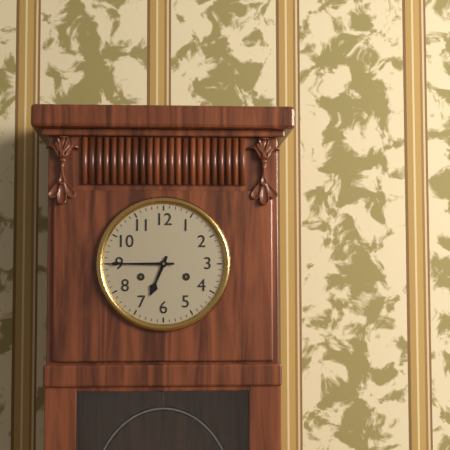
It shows 6 h 45 min
